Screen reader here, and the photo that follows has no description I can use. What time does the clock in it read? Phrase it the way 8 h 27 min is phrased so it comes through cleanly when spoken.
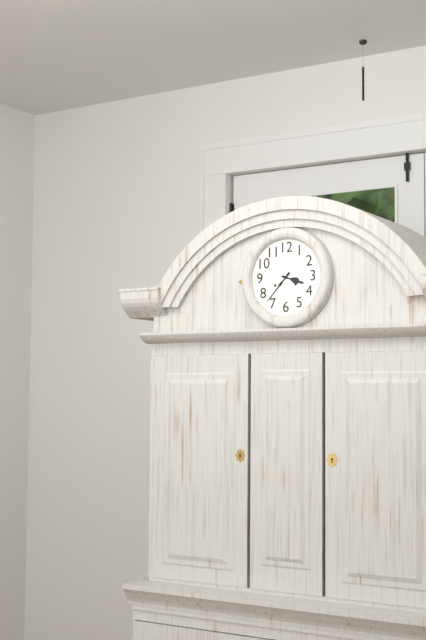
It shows 3 h 37 min
